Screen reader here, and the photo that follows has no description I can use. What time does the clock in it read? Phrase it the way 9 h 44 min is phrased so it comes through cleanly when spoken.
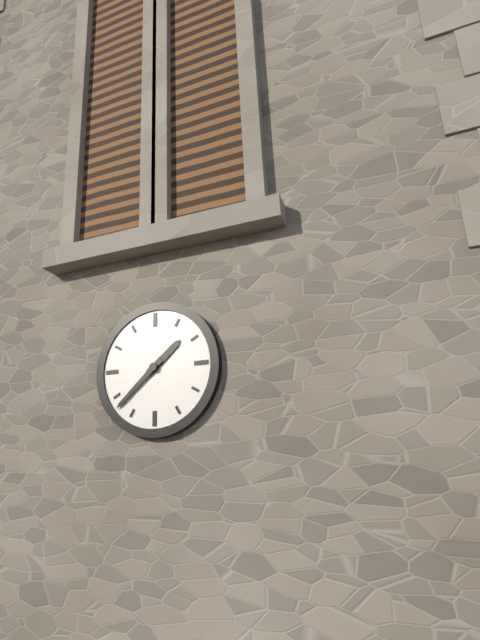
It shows 1 h 38 min
